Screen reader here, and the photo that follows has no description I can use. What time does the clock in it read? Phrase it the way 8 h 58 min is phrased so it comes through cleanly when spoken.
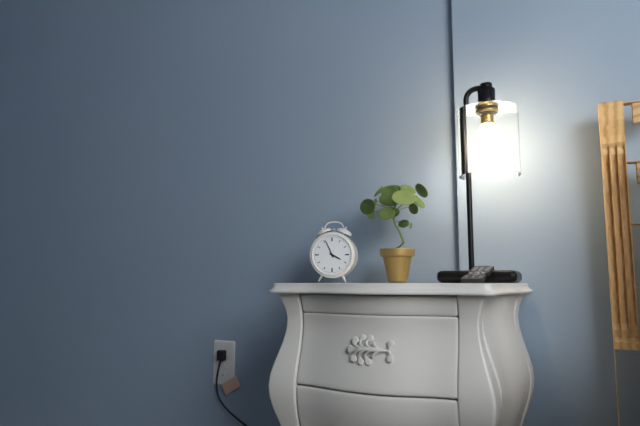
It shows 3 h 56 min
